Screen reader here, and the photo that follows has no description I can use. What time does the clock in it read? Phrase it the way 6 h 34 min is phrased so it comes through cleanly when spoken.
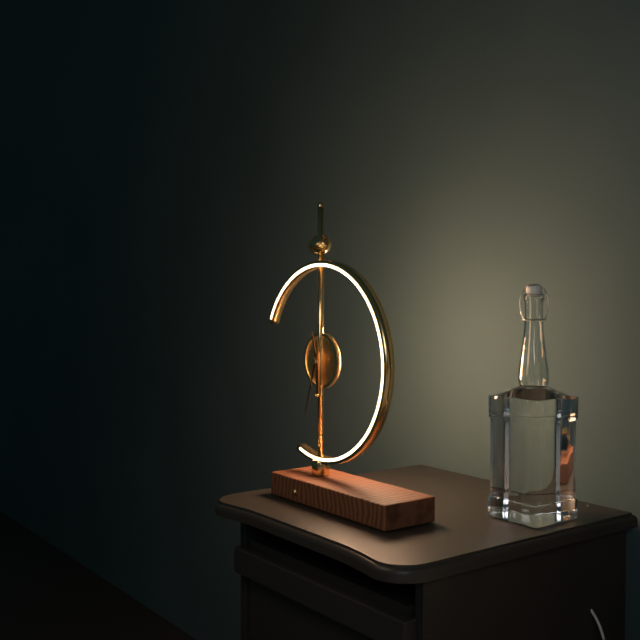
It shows 11 h 33 min
